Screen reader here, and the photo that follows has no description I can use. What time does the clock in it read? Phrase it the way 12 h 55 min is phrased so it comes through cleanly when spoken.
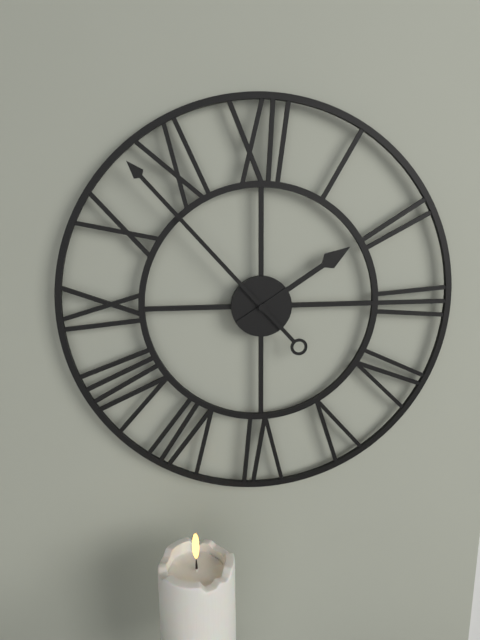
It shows 1 h 53 min
